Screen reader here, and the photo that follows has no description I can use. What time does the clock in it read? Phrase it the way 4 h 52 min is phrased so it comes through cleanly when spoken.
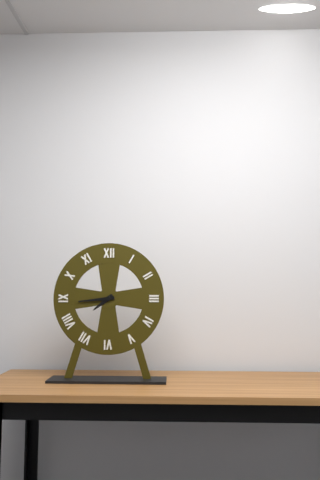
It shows 7 h 44 min
